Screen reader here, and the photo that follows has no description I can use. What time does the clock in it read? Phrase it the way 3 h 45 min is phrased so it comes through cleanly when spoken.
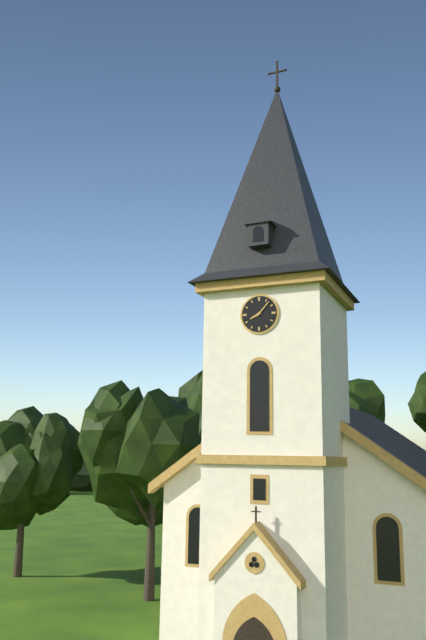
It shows 8 h 07 min
